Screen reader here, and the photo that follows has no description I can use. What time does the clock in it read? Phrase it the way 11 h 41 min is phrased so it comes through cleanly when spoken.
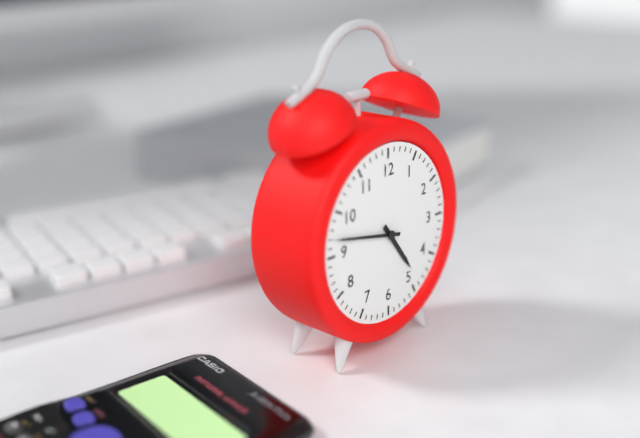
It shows 4 h 47 min
